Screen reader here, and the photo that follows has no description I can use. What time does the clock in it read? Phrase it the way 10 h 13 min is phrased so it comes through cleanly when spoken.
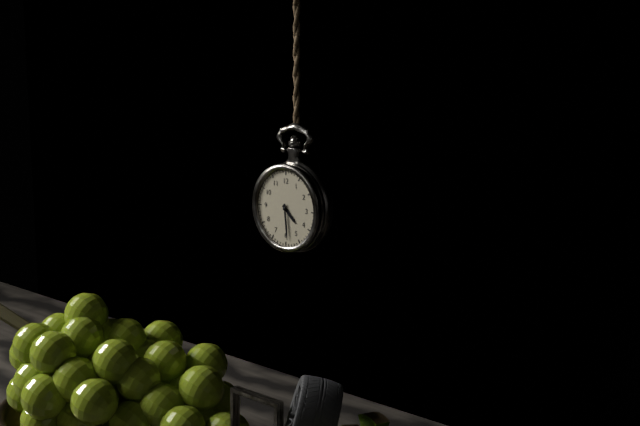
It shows 4 h 29 min
